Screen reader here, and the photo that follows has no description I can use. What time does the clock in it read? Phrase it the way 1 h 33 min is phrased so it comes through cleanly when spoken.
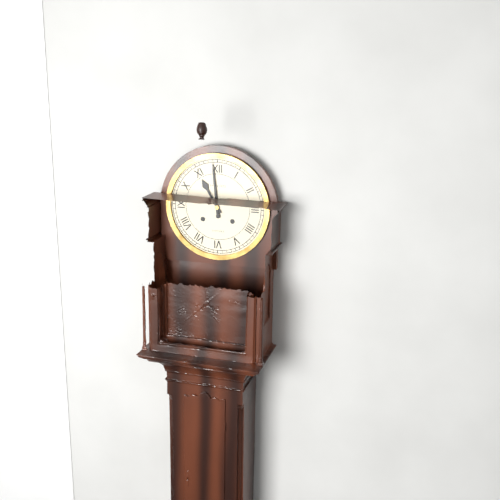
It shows 10 h 59 min
